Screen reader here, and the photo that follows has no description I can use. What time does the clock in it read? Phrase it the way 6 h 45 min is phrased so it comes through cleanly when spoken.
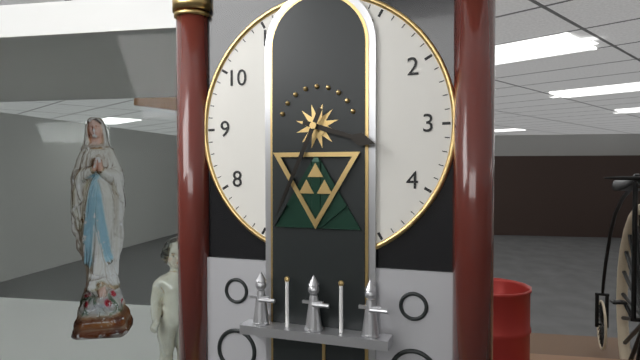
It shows 3 h 34 min
